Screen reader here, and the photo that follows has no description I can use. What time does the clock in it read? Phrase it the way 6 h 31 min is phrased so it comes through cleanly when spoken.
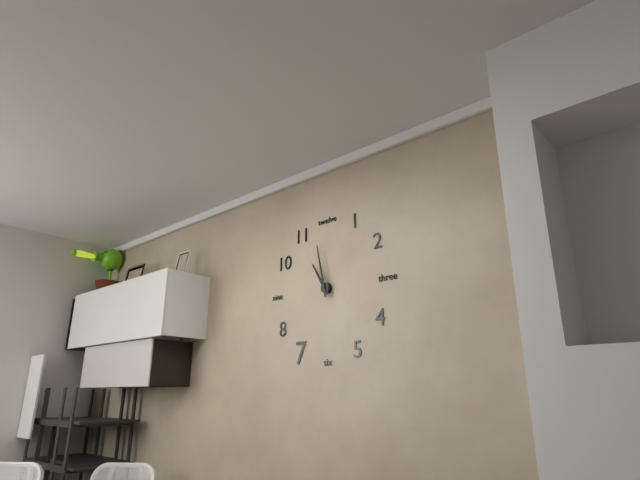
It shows 10 h 58 min
